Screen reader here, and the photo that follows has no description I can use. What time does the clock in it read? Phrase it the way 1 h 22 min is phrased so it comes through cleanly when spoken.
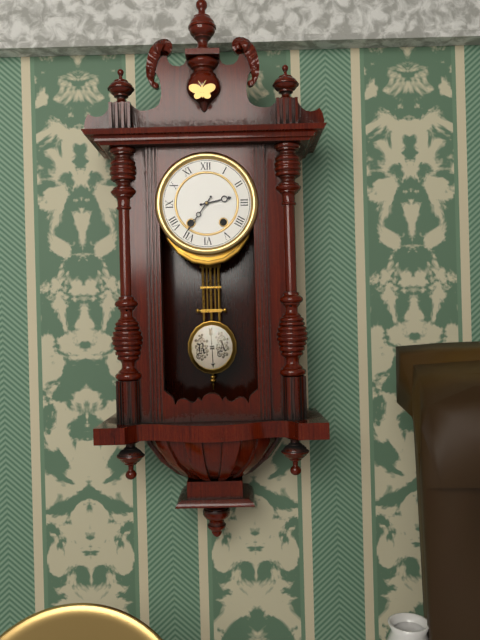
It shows 2 h 36 min
